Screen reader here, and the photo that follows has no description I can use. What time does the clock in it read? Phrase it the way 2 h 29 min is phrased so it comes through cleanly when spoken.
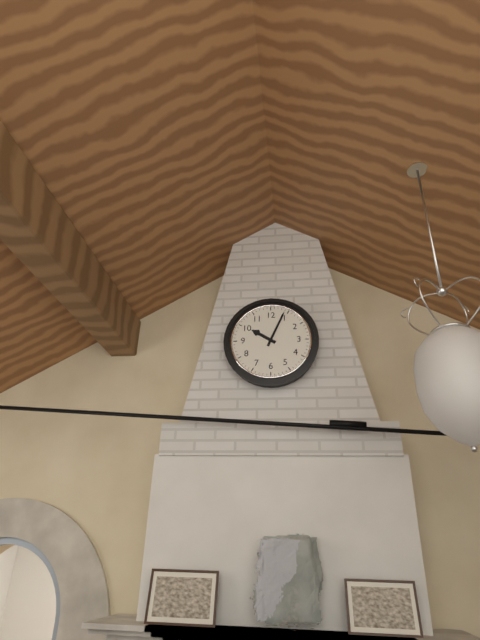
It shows 10 h 04 min
